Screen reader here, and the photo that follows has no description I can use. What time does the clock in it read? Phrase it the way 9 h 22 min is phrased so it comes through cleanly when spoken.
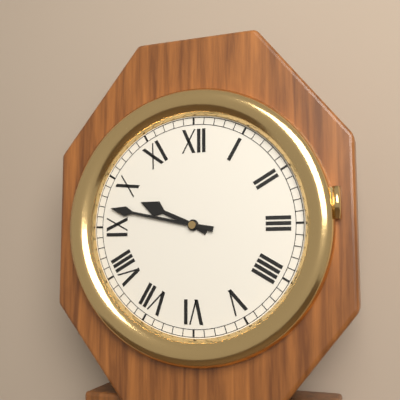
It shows 9 h 47 min
